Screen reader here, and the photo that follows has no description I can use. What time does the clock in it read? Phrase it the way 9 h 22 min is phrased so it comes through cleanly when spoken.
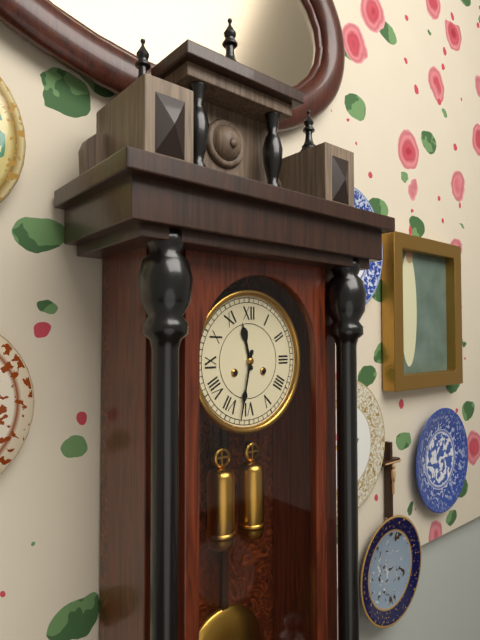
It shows 11 h 32 min
